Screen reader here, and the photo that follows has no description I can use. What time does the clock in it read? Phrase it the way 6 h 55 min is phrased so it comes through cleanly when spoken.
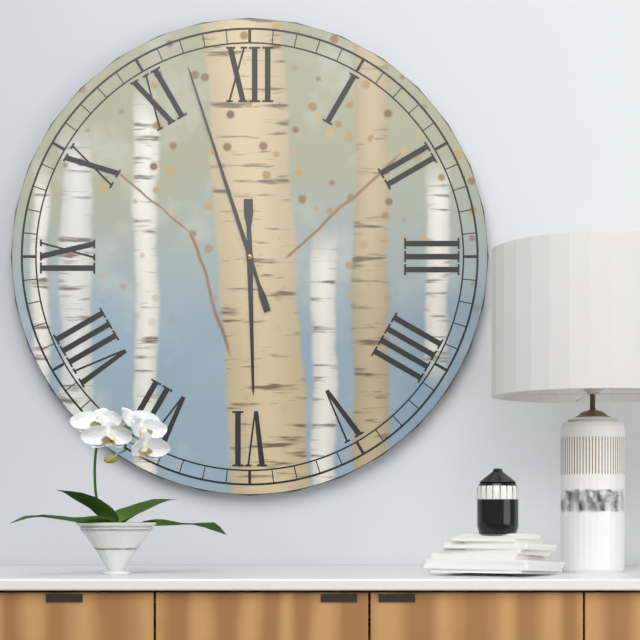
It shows 5 h 57 min
